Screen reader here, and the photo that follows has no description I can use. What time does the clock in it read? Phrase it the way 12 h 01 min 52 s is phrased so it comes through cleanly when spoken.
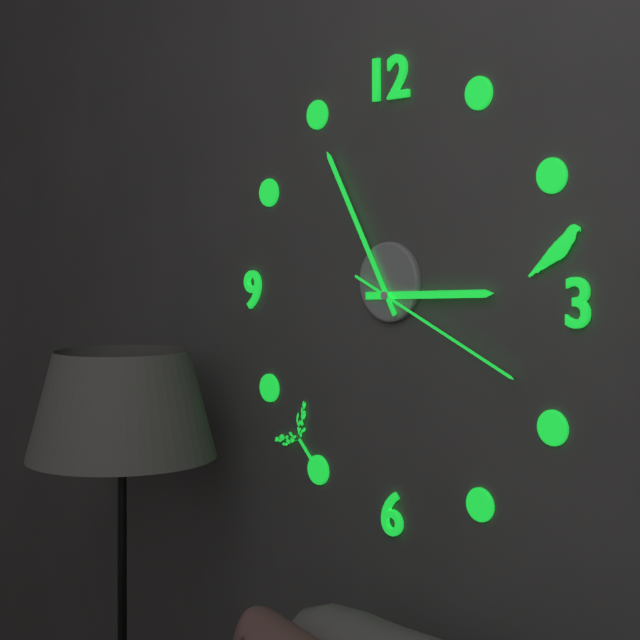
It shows 2 h 55 min 19 s
